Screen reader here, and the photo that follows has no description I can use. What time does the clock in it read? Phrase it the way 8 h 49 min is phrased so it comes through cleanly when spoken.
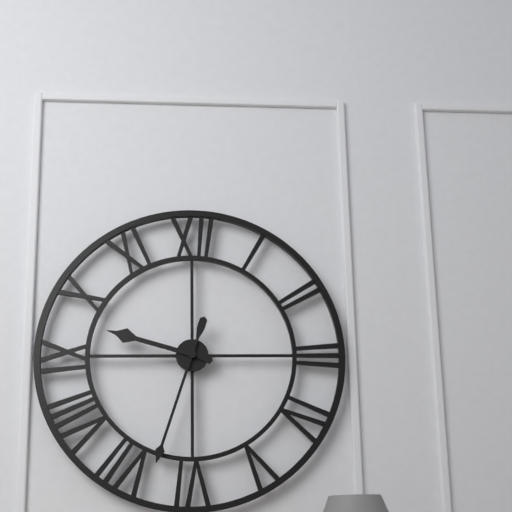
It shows 9 h 33 min
